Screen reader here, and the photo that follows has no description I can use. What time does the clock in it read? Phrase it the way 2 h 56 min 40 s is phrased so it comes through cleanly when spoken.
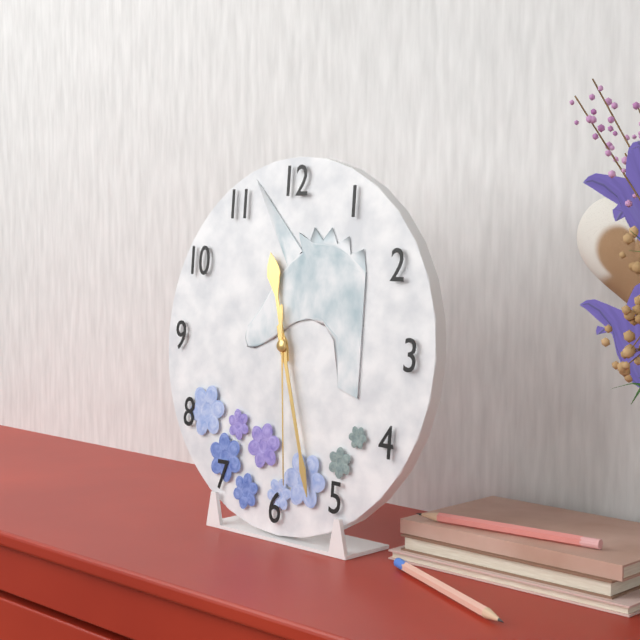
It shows 11 h 27 min 29 s
